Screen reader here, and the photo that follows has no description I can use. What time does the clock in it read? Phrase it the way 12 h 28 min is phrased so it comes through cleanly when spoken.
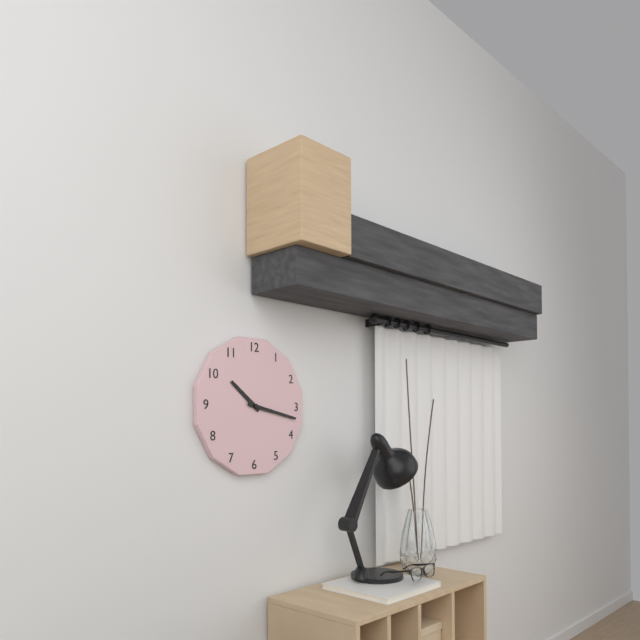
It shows 10 h 17 min
